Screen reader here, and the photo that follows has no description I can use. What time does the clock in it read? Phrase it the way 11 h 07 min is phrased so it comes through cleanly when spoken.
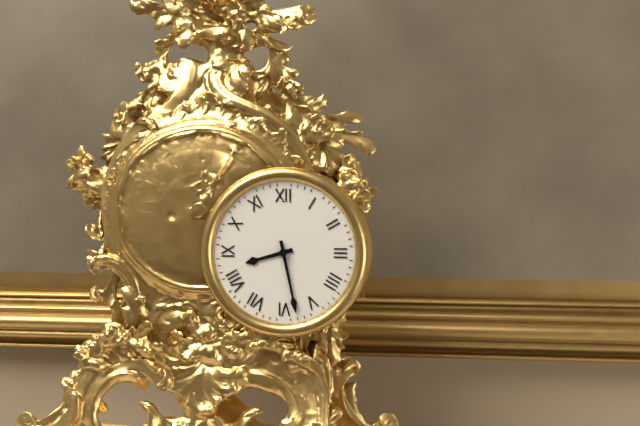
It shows 8 h 28 min
